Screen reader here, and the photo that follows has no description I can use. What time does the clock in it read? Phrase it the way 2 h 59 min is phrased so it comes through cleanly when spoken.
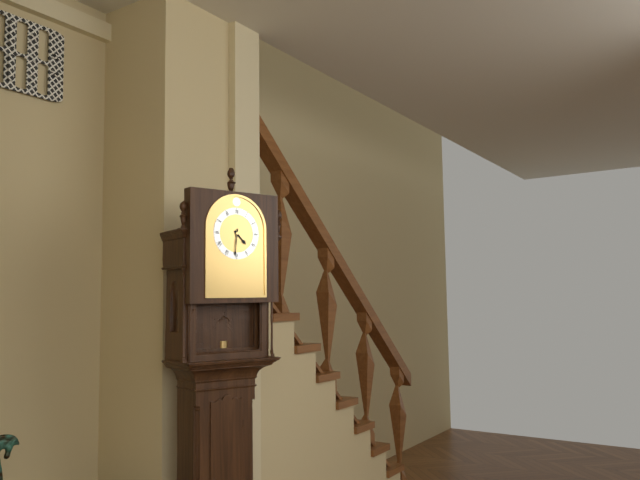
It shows 4 h 31 min
